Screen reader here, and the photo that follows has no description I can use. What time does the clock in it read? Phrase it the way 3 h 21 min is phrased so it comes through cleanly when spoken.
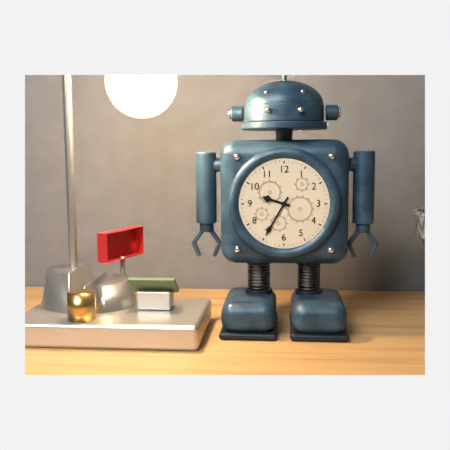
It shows 9 h 35 min
